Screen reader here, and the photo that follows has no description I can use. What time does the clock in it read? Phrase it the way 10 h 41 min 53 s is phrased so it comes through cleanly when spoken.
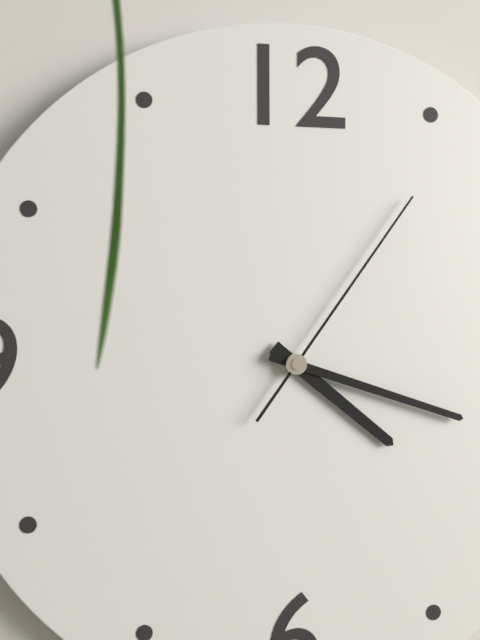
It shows 4 h 18 min 06 s
